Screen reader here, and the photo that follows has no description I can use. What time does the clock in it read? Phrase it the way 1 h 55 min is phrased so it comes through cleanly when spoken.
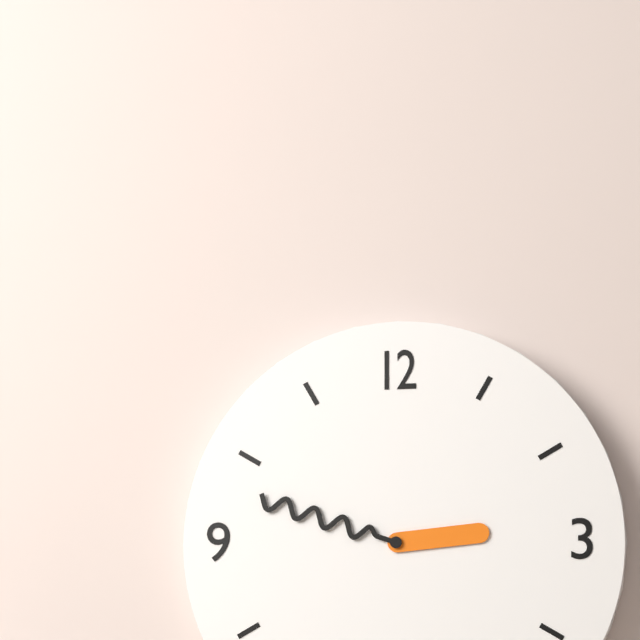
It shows 2 h 48 min
